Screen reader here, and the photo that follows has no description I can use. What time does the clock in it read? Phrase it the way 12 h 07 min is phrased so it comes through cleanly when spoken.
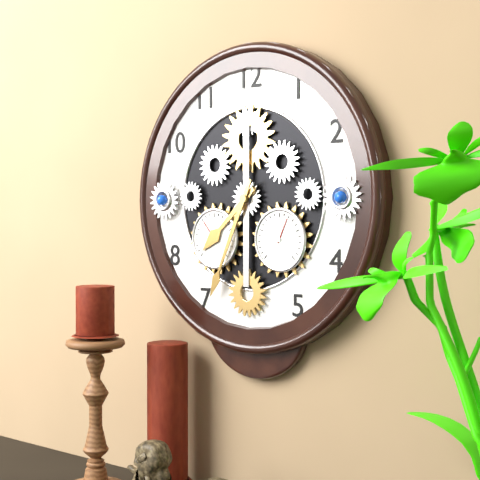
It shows 7 h 34 min
